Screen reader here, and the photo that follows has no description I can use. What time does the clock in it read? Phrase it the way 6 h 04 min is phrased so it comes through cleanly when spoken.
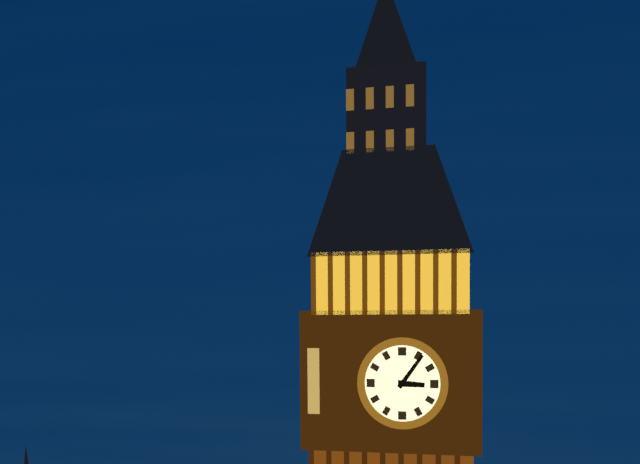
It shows 3 h 06 min
